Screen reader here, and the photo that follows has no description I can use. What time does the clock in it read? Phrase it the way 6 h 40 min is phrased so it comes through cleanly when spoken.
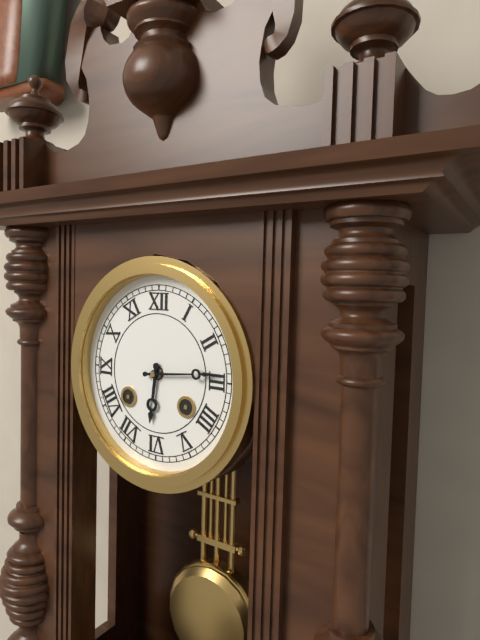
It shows 6 h 14 min
